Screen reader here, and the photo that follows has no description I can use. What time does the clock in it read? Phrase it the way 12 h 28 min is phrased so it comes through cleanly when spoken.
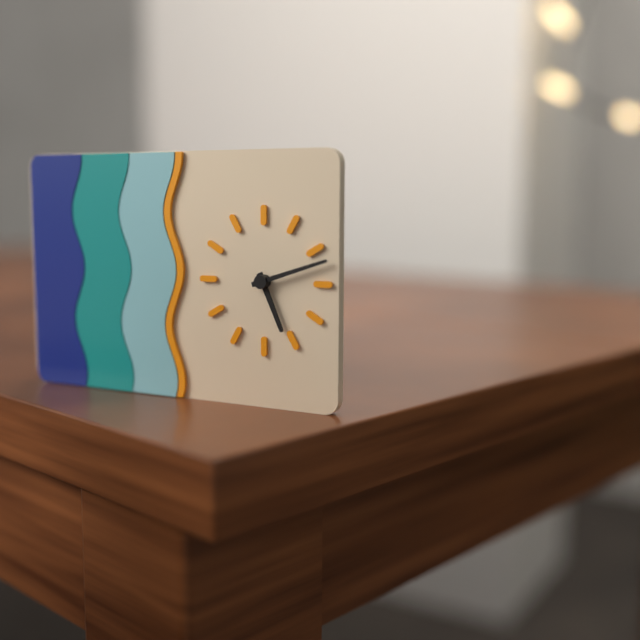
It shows 5 h 12 min
